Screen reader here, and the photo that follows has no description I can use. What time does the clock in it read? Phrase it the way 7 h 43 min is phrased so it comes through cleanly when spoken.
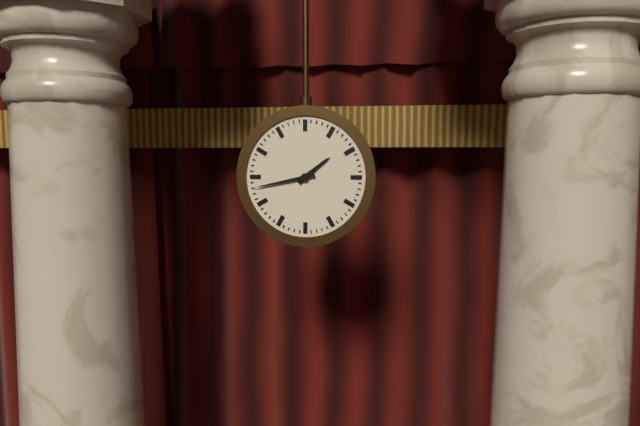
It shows 1 h 43 min
